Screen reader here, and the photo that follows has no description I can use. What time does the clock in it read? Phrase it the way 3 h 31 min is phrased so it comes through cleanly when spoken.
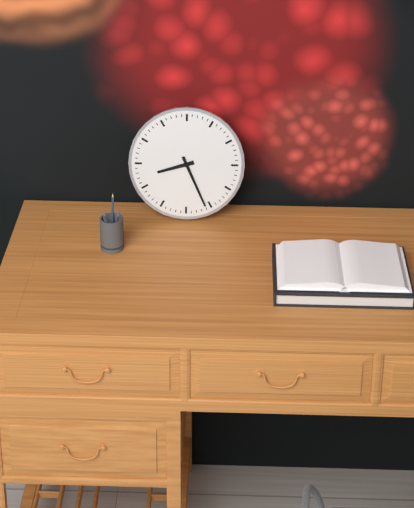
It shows 8 h 26 min
